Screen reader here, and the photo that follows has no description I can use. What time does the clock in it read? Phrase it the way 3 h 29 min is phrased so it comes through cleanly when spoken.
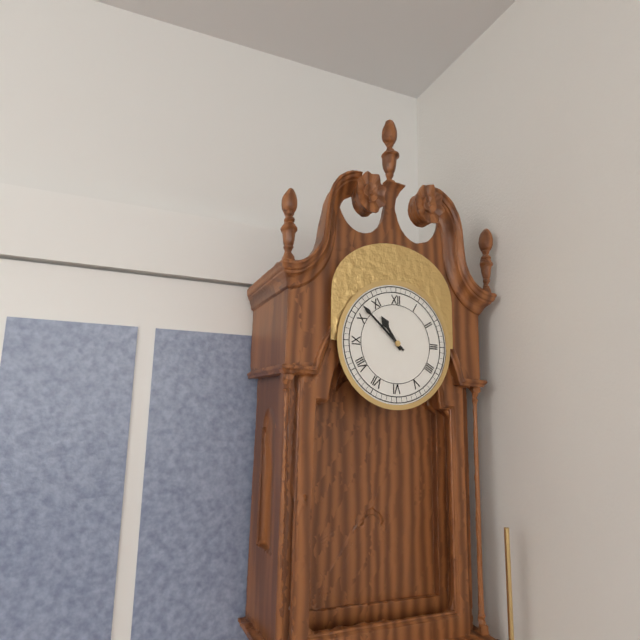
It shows 10 h 52 min
